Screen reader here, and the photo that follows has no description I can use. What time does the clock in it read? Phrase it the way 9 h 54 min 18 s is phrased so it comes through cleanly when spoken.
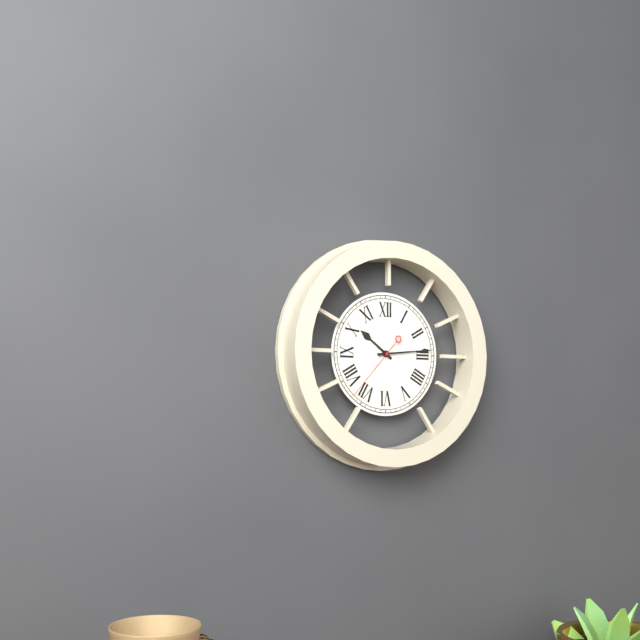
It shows 10 h 14 min 37 s
